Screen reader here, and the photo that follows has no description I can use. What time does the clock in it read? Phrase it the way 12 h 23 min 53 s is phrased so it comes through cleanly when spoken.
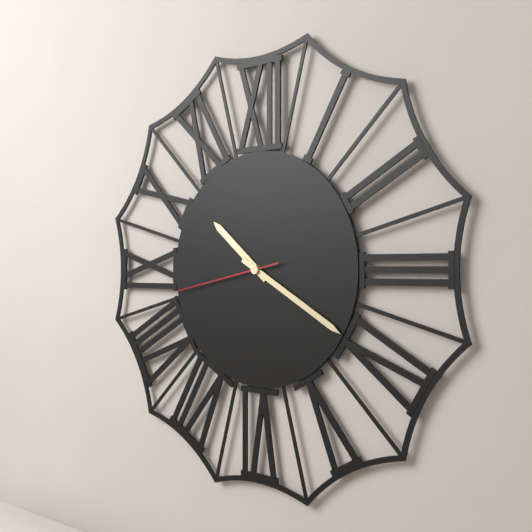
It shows 10 h 20 min 43 s
